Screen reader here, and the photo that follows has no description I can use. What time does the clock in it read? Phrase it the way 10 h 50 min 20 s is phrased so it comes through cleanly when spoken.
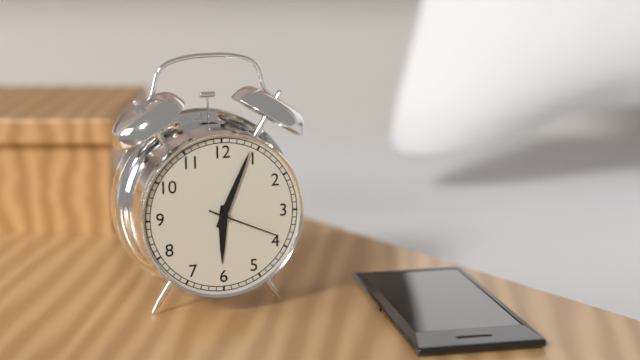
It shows 6 h 04 min 19 s
